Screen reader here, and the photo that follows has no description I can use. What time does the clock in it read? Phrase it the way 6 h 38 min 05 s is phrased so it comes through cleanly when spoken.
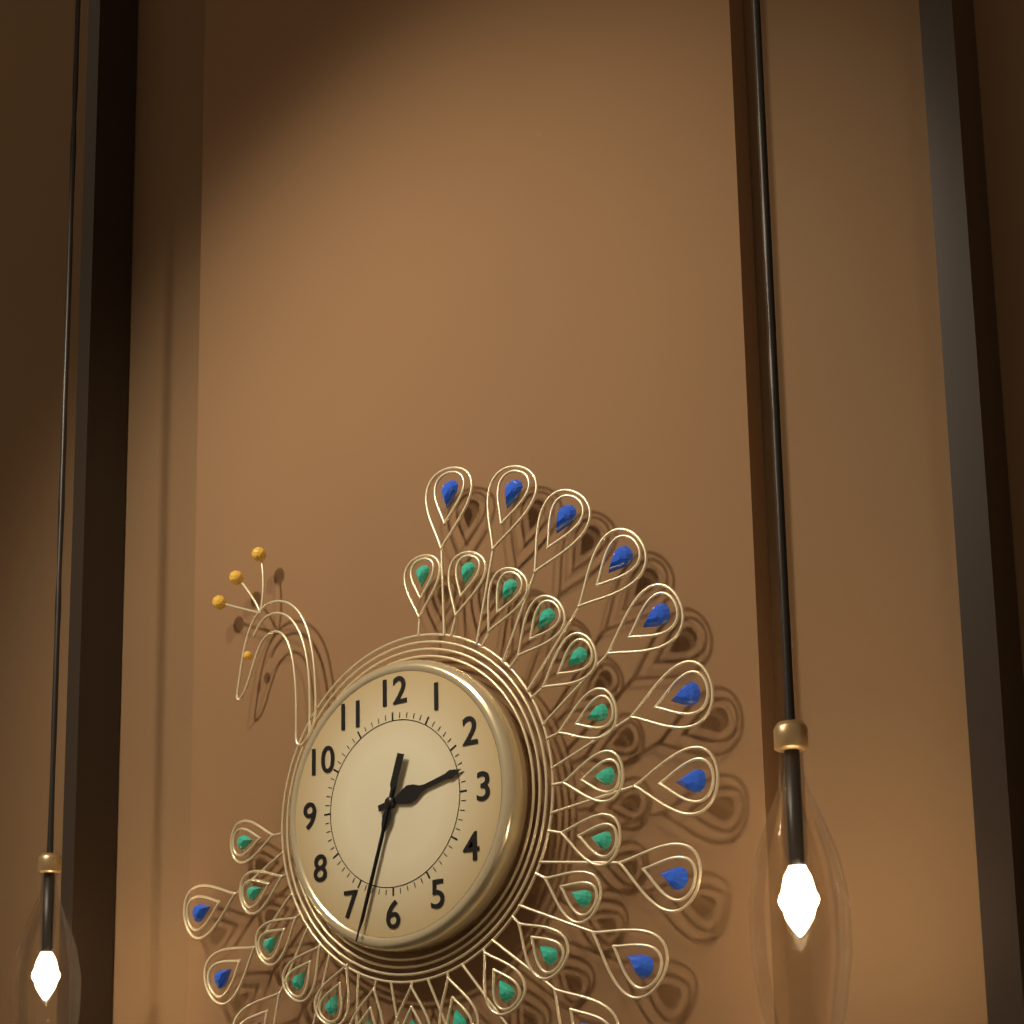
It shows 2 h 33 min 33 s
